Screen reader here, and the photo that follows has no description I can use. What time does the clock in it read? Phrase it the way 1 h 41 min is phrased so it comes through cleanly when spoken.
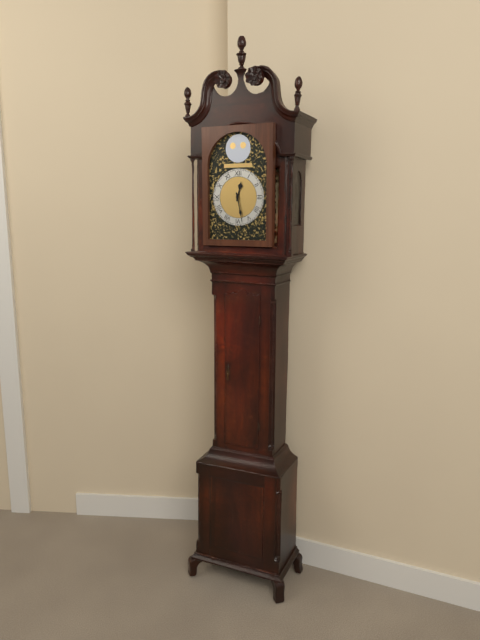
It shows 12 h 28 min
